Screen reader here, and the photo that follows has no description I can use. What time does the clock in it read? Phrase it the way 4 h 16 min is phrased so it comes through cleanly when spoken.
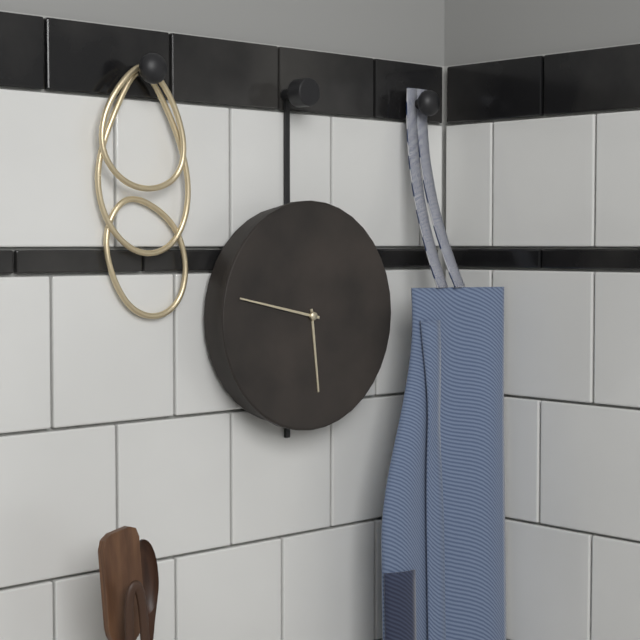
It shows 5 h 47 min
